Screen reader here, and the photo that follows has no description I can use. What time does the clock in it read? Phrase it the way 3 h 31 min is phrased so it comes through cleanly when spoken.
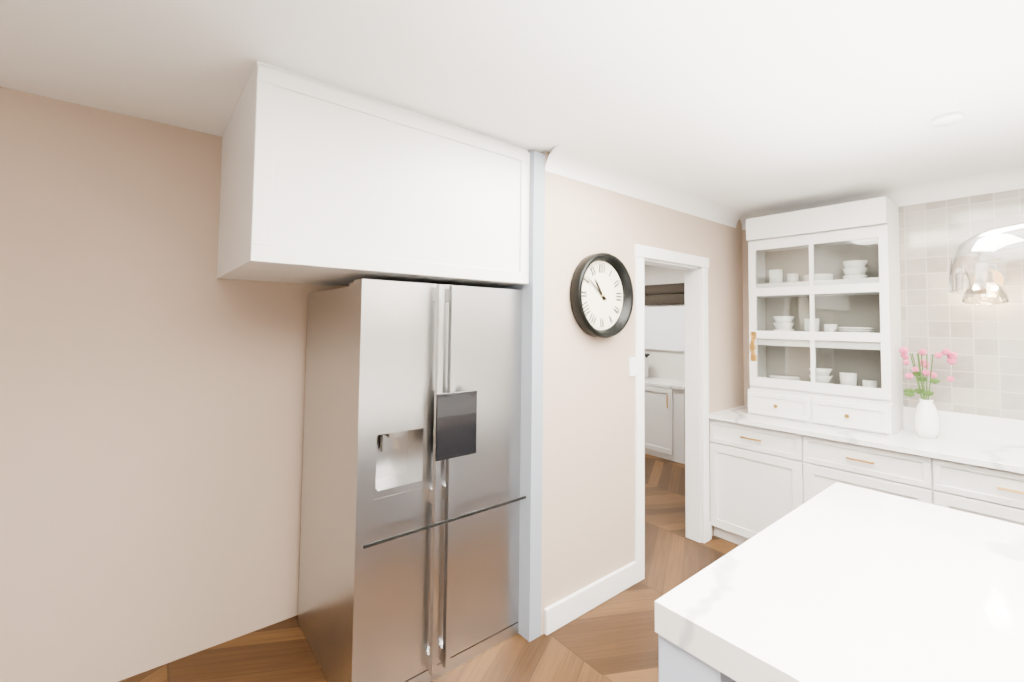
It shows 10 h 51 min
